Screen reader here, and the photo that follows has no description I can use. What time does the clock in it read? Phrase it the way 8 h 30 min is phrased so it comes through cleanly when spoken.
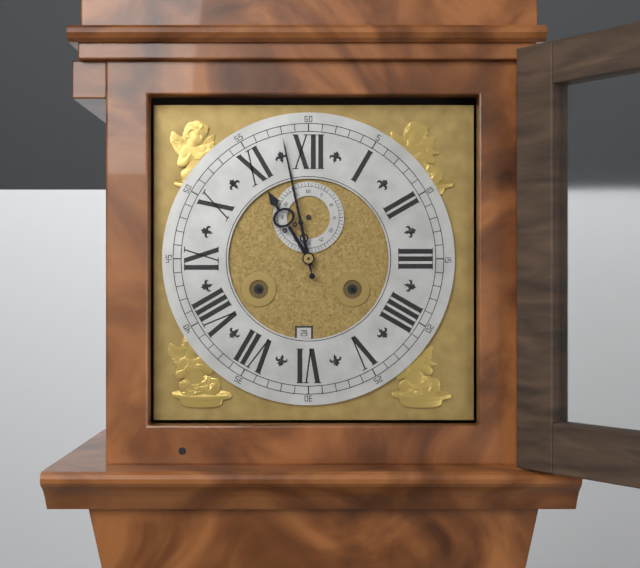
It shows 10 h 58 min
